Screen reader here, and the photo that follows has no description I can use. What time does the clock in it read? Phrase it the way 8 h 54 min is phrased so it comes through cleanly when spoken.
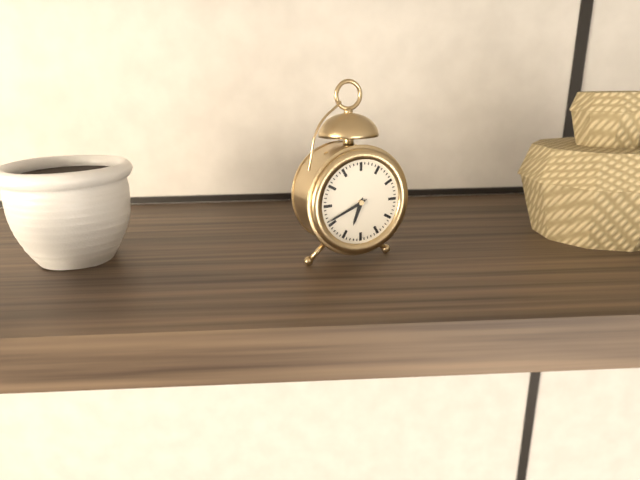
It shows 6 h 41 min
